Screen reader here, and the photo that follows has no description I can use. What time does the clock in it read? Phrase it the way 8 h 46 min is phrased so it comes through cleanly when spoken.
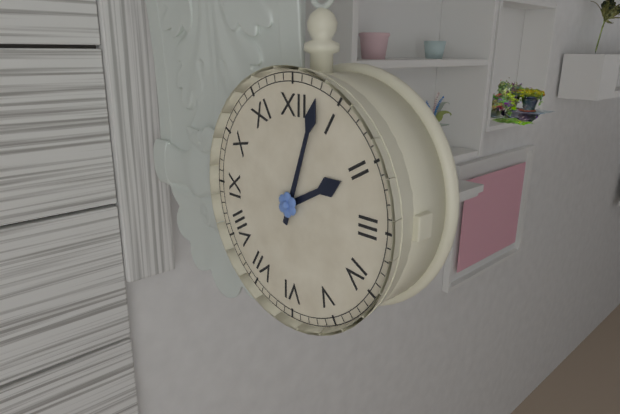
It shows 2 h 03 min
